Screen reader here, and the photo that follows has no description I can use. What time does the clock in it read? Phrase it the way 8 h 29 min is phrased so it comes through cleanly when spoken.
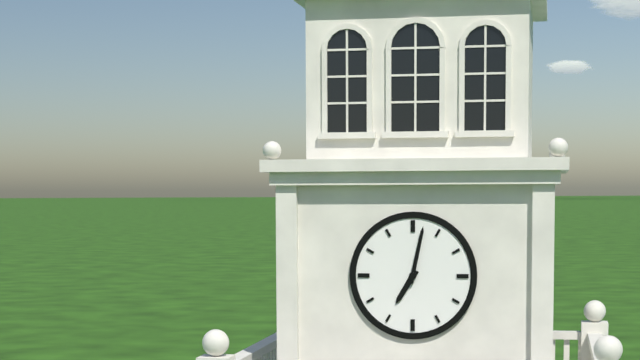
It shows 7 h 02 min
